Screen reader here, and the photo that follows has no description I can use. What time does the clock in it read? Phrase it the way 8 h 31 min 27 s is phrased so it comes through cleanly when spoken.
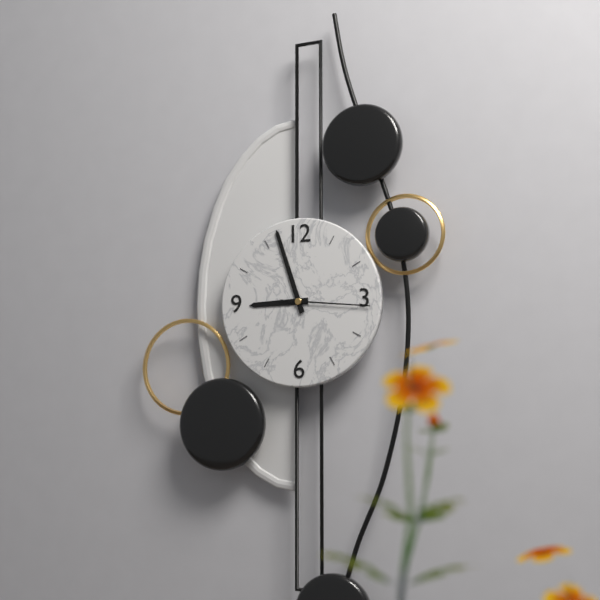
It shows 8 h 57 min 16 s
